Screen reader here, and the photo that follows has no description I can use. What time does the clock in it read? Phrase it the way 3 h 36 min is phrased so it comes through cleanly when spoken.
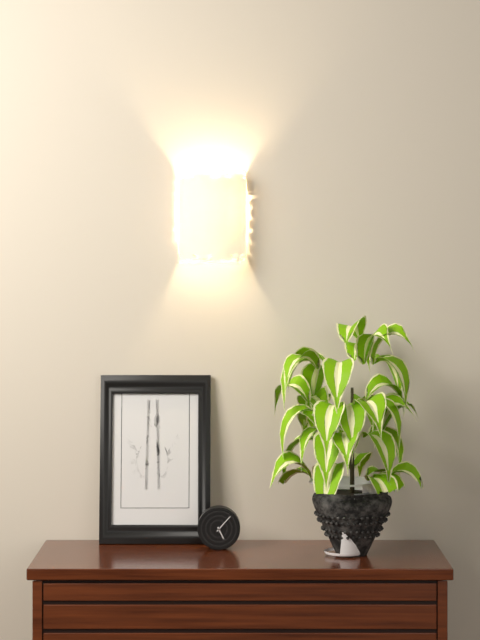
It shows 5 h 07 min
